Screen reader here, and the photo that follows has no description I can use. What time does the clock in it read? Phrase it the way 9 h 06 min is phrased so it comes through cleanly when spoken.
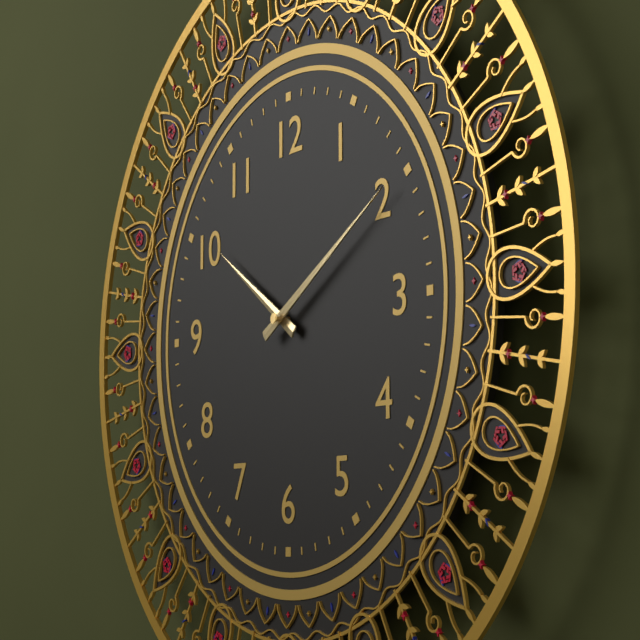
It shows 10 h 10 min
